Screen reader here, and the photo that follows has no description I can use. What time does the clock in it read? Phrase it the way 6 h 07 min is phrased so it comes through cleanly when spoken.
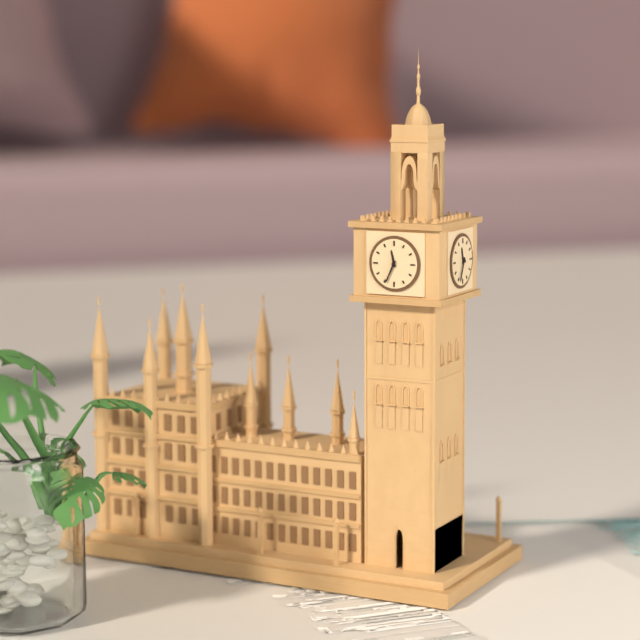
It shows 11 h 34 min
